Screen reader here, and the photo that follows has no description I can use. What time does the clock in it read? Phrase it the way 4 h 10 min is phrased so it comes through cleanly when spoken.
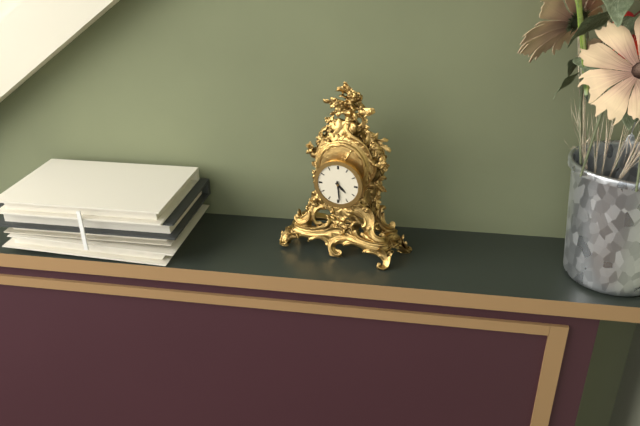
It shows 4 h 29 min
